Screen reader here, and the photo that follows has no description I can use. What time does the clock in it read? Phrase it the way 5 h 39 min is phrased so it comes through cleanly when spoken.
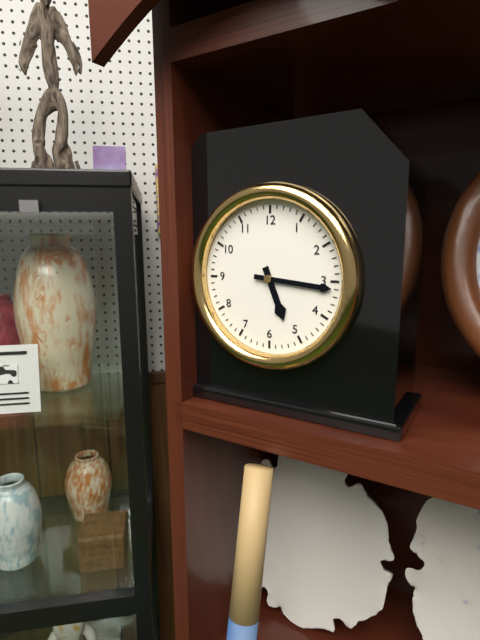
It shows 5 h 16 min
